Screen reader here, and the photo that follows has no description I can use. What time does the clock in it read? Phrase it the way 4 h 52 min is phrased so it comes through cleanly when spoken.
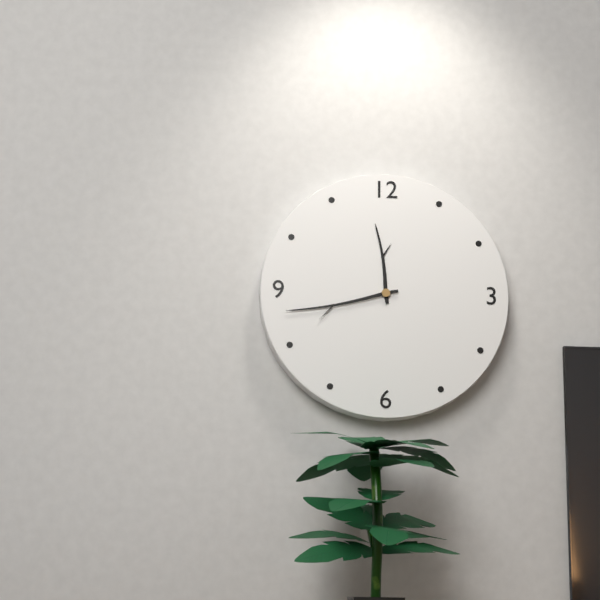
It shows 11 h 43 min
